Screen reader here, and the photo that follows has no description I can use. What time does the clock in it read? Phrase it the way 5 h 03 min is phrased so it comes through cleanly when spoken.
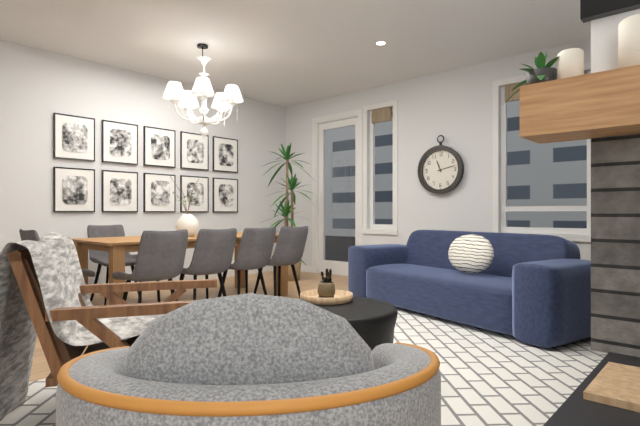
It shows 11 h 13 min
